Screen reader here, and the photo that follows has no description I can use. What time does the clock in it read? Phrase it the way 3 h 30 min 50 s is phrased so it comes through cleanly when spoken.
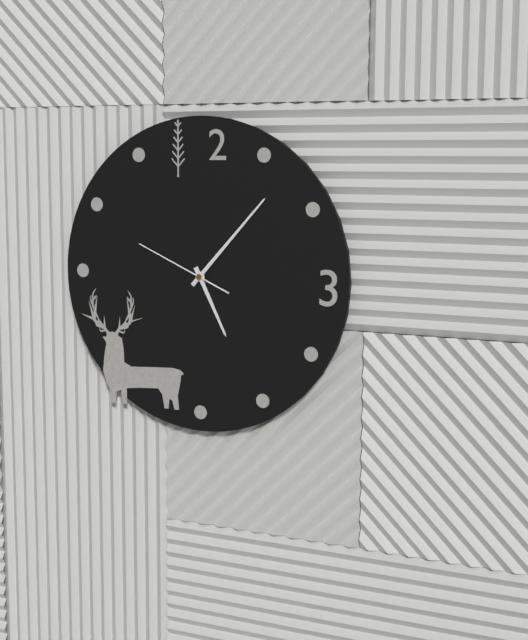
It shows 5 h 07 min 49 s
